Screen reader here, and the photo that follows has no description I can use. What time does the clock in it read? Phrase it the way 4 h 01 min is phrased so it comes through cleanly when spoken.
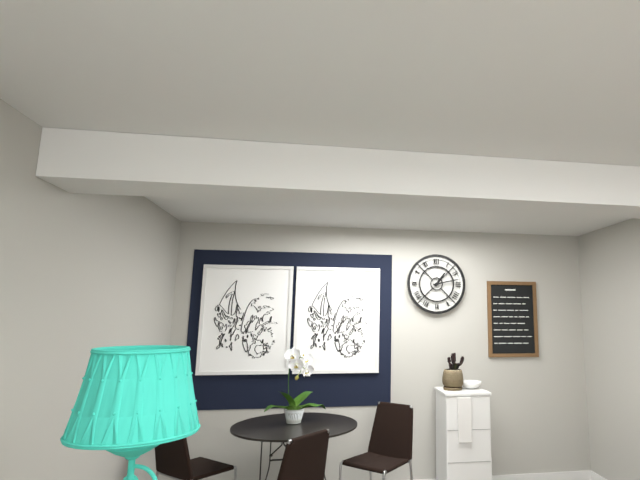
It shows 1 h 13 min
